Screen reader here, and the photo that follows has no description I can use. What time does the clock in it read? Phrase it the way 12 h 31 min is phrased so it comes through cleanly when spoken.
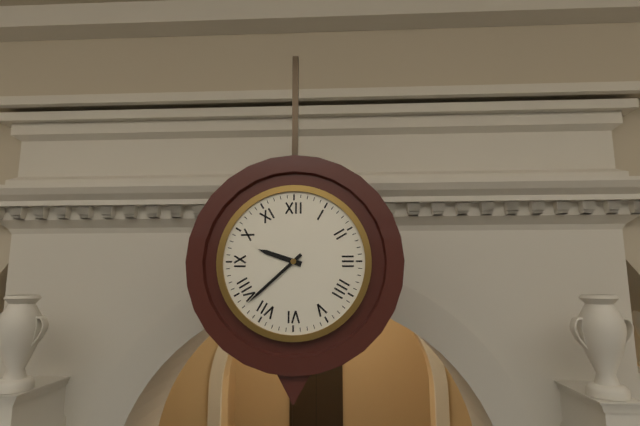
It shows 9 h 38 min
